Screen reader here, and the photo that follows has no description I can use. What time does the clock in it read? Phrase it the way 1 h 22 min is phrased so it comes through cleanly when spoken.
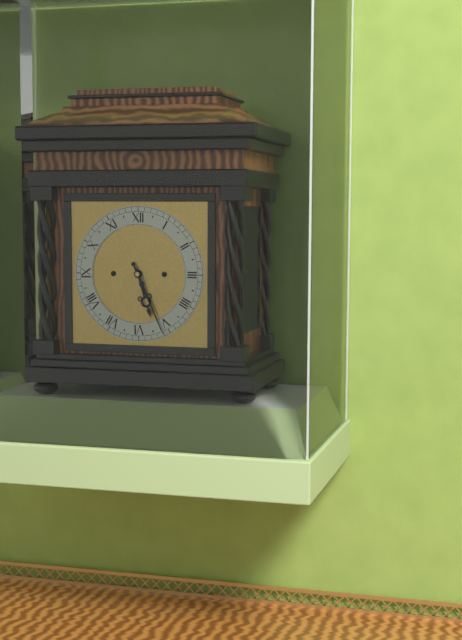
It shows 5 h 26 min
